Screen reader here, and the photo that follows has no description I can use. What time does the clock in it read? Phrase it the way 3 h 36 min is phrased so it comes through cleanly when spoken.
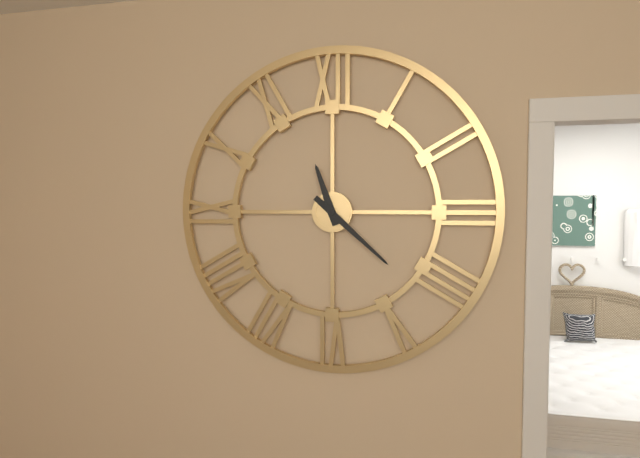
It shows 11 h 22 min
